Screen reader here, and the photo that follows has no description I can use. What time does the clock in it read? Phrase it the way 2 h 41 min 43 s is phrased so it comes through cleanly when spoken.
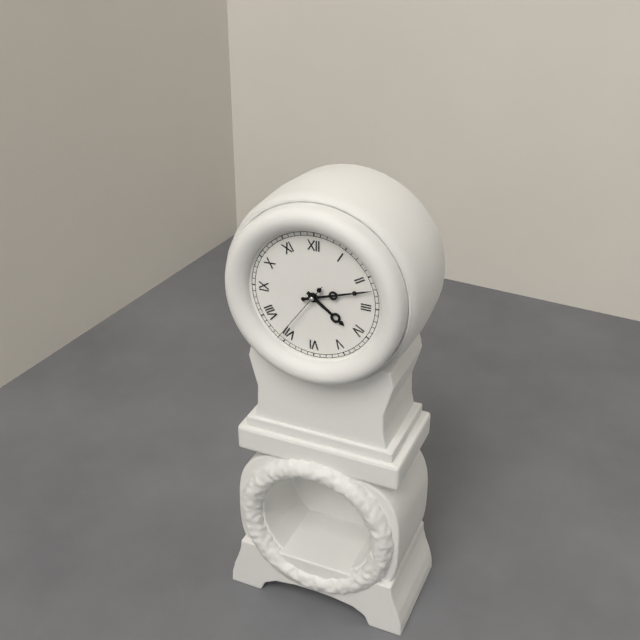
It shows 4 h 12 min 36 s
